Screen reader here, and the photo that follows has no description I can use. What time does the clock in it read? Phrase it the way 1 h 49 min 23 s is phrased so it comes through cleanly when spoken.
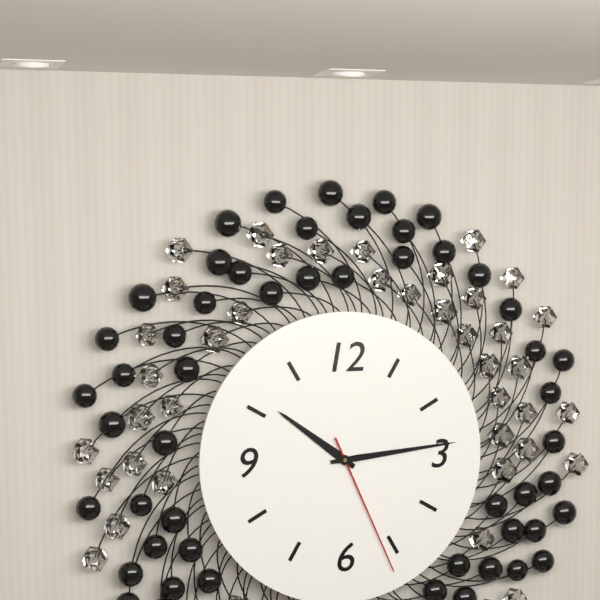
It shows 10 h 14 min 26 s
